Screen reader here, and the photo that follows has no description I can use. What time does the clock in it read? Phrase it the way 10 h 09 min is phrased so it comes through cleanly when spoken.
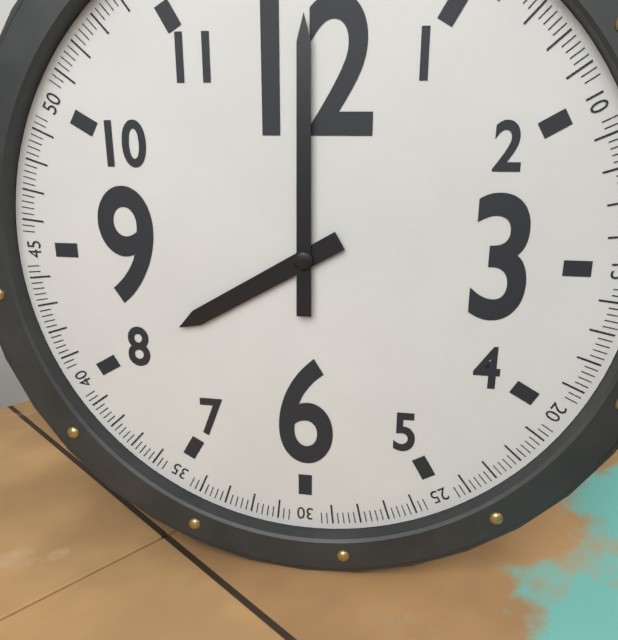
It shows 8 h 00 min
